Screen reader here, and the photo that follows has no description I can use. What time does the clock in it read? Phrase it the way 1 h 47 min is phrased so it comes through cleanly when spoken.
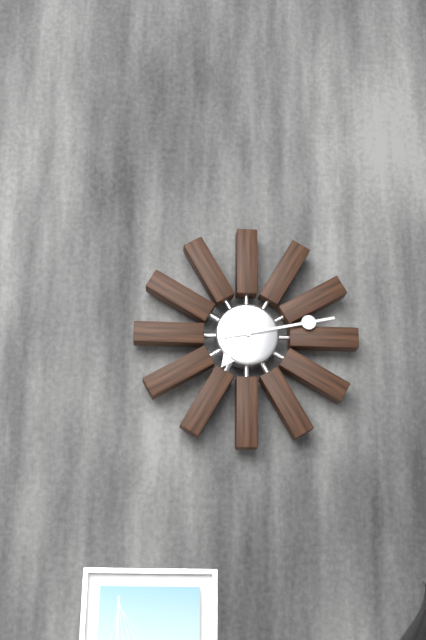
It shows 7 h 13 min
